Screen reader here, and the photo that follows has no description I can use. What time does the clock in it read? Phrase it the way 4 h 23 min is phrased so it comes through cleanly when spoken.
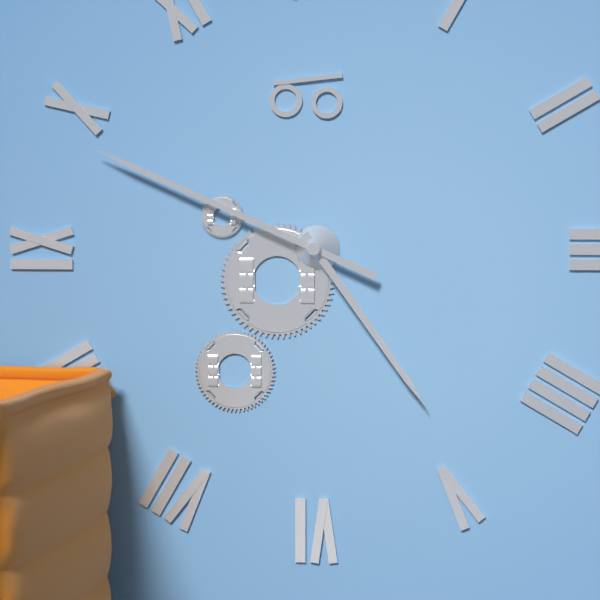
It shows 4 h 49 min
